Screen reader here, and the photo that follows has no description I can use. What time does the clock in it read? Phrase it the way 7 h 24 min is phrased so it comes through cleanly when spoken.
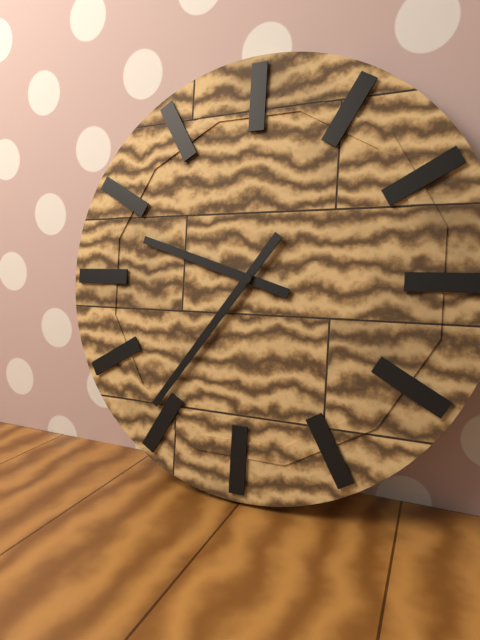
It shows 9 h 36 min
